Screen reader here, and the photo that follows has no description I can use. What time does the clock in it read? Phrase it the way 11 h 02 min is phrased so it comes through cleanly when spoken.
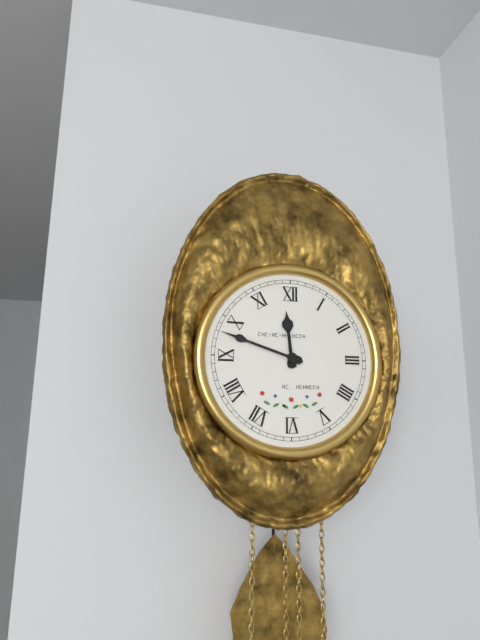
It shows 11 h 48 min
